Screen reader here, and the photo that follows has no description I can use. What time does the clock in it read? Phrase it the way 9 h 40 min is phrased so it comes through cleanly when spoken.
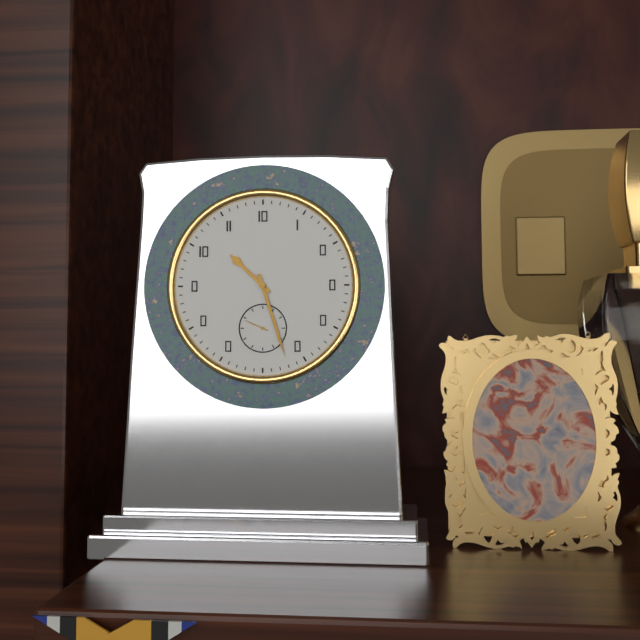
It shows 10 h 27 min
